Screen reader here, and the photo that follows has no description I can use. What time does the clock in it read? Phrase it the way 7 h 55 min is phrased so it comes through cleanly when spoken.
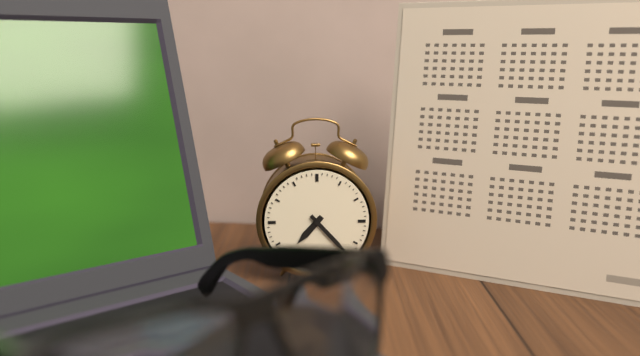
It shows 7 h 23 min
